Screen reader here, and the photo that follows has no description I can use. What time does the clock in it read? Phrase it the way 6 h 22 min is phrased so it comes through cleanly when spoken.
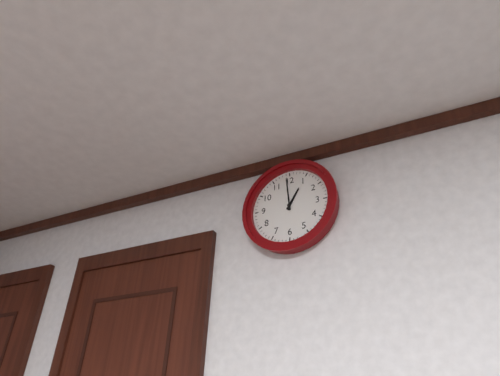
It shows 12 h 59 min
